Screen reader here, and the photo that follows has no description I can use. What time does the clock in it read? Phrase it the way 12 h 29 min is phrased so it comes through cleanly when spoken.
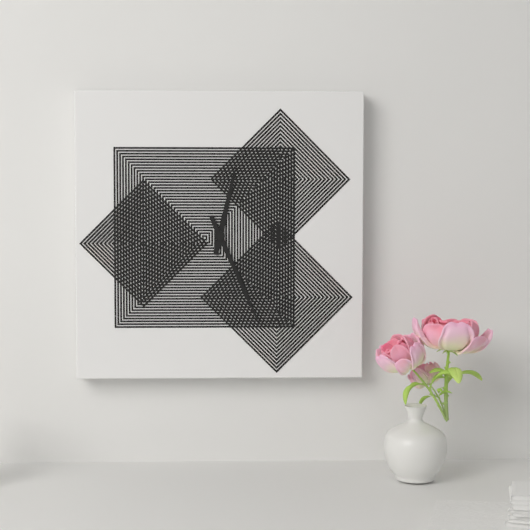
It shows 12 h 26 min
